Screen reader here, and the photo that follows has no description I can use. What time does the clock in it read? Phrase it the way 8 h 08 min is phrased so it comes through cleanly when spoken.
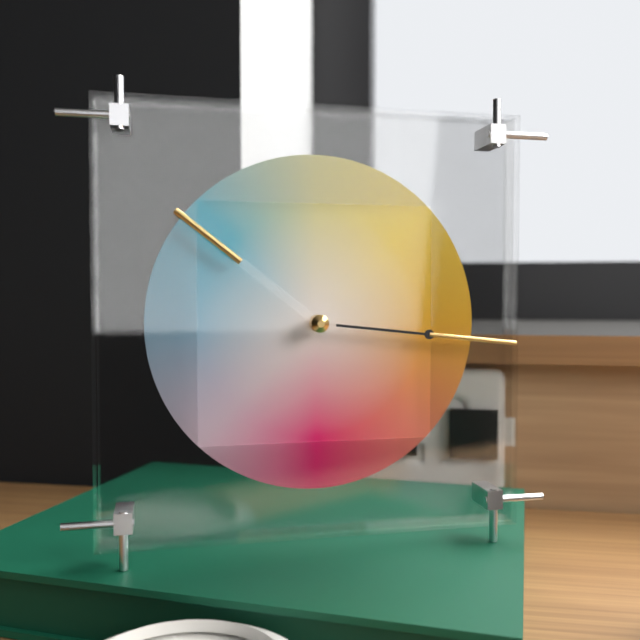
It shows 10 h 16 min
